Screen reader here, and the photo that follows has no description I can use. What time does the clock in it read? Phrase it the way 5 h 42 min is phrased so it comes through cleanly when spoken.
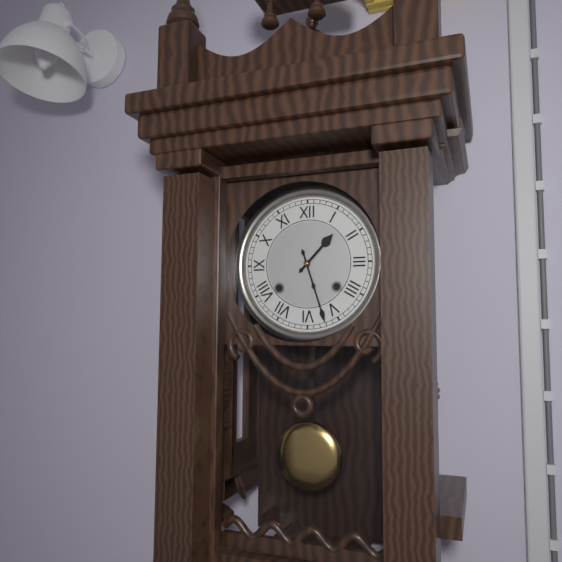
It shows 1 h 27 min
